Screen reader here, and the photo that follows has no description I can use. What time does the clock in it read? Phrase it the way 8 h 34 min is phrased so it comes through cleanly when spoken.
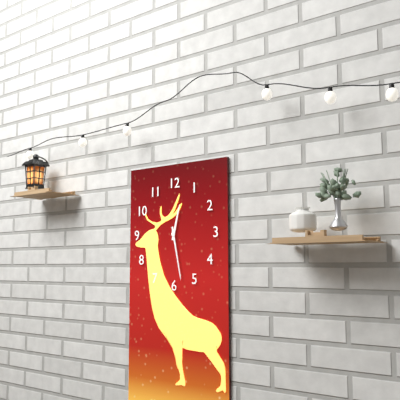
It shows 12 h 28 min
